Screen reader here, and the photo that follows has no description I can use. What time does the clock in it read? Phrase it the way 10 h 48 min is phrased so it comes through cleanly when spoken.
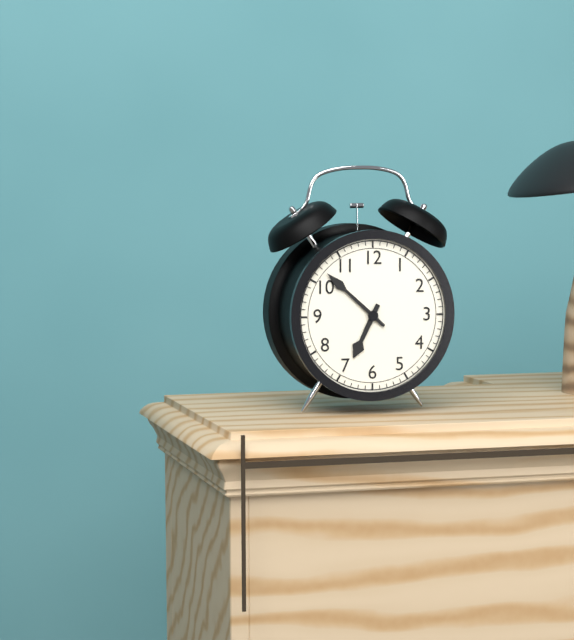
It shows 6 h 52 min
